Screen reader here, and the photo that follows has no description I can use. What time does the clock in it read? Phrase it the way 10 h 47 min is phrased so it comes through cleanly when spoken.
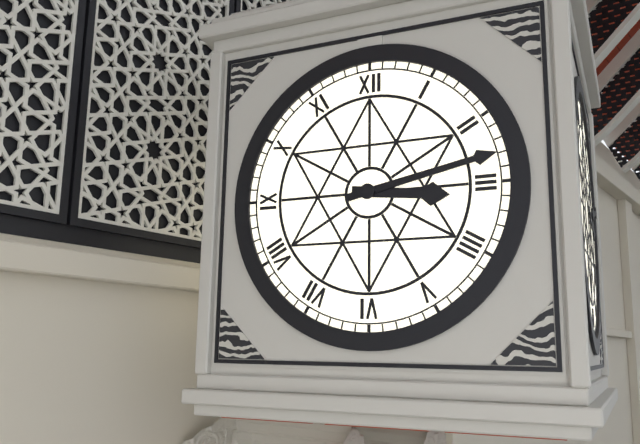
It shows 3 h 13 min
